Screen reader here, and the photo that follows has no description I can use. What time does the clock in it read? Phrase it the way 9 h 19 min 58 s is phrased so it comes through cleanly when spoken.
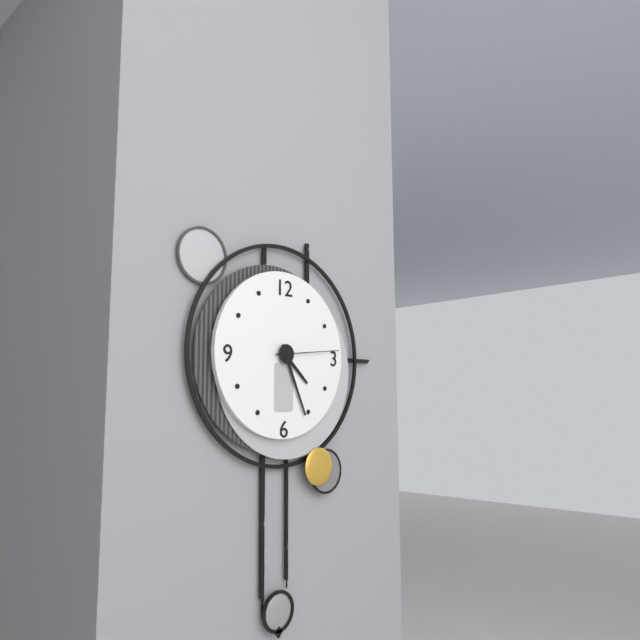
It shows 4 h 26 min 14 s
